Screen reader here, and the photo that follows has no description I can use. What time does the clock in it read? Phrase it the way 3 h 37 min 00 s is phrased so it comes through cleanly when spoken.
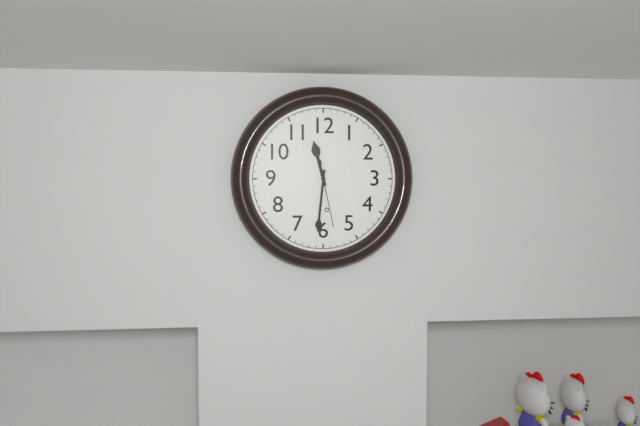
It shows 11 h 31 min 28 s
